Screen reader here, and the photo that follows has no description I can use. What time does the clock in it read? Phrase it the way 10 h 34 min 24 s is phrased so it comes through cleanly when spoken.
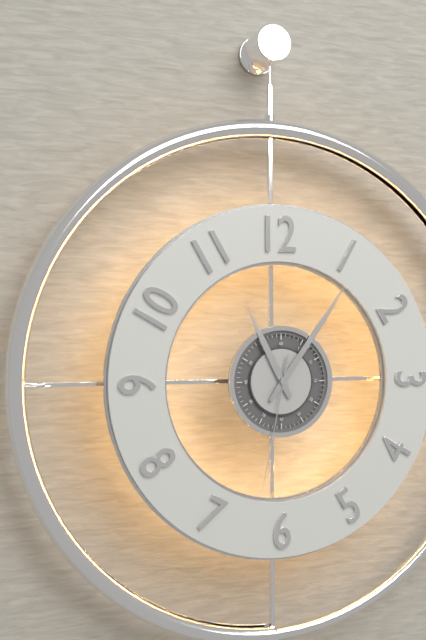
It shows 11 h 06 min 32 s
